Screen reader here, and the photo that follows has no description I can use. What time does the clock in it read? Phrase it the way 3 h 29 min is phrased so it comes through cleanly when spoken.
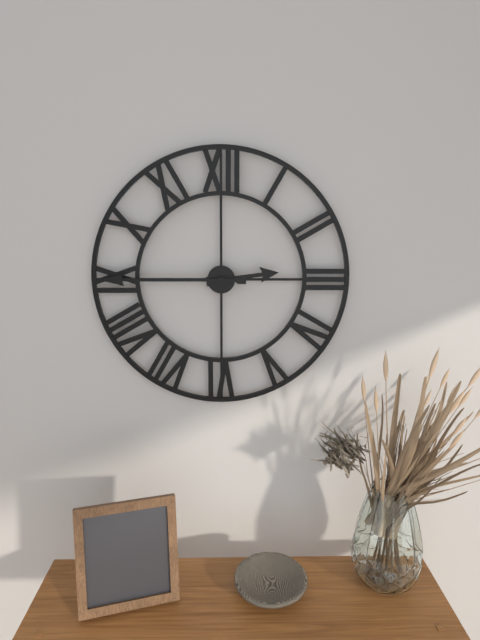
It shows 2 h 45 min
